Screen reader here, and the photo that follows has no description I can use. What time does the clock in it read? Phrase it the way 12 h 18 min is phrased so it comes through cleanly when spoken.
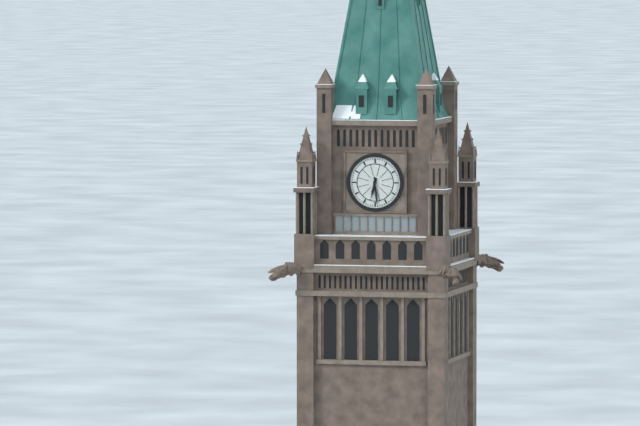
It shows 6 h 29 min
